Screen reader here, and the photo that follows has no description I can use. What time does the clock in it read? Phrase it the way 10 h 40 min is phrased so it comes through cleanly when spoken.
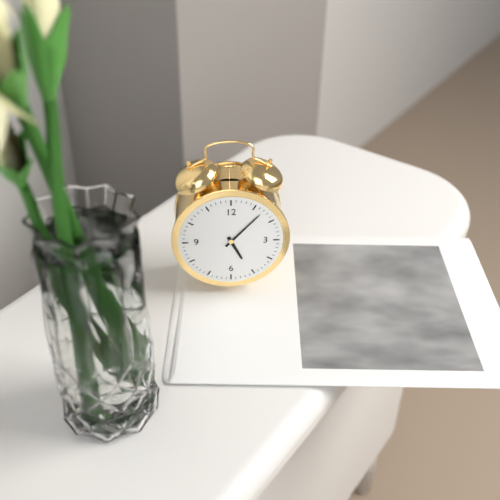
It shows 5 h 07 min
